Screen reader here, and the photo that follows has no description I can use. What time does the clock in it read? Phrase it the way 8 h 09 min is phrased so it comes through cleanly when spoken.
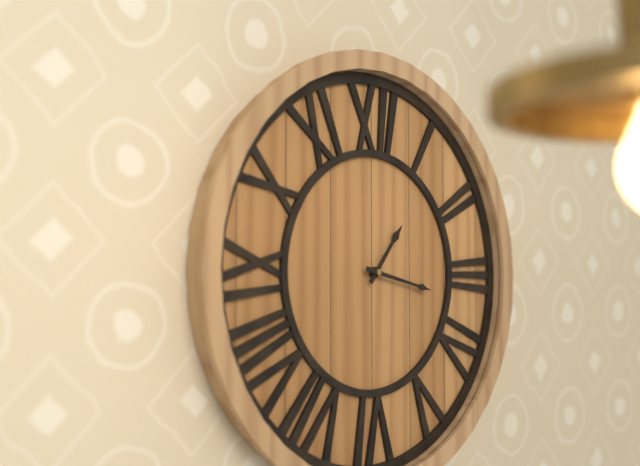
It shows 1 h 17 min
